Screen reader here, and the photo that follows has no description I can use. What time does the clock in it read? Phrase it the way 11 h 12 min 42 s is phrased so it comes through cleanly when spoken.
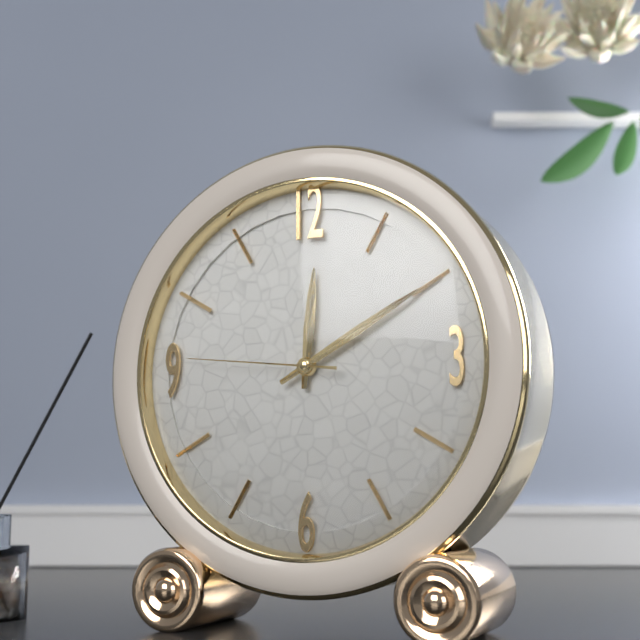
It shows 12 h 10 min 46 s
